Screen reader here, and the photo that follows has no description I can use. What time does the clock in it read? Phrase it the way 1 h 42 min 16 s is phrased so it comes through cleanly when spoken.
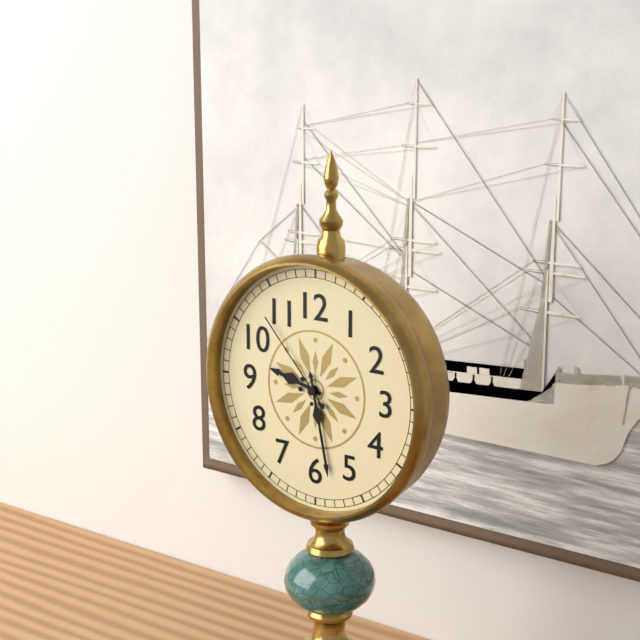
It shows 9 h 28 min 53 s
